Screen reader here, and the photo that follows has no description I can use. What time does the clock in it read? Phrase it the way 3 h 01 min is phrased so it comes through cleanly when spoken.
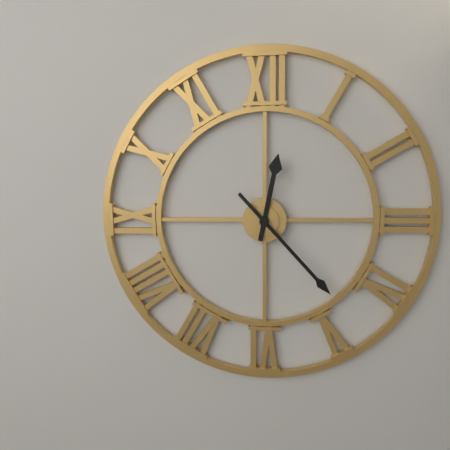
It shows 12 h 23 min
